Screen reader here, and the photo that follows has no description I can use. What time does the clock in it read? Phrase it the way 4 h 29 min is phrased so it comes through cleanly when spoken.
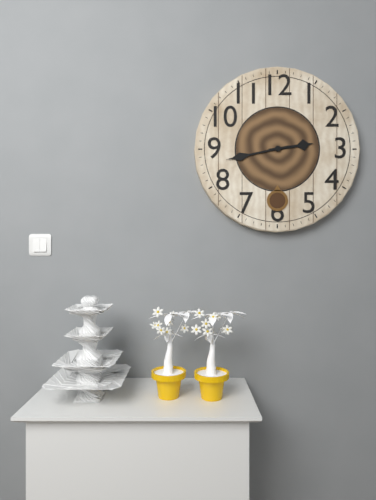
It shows 2 h 43 min
